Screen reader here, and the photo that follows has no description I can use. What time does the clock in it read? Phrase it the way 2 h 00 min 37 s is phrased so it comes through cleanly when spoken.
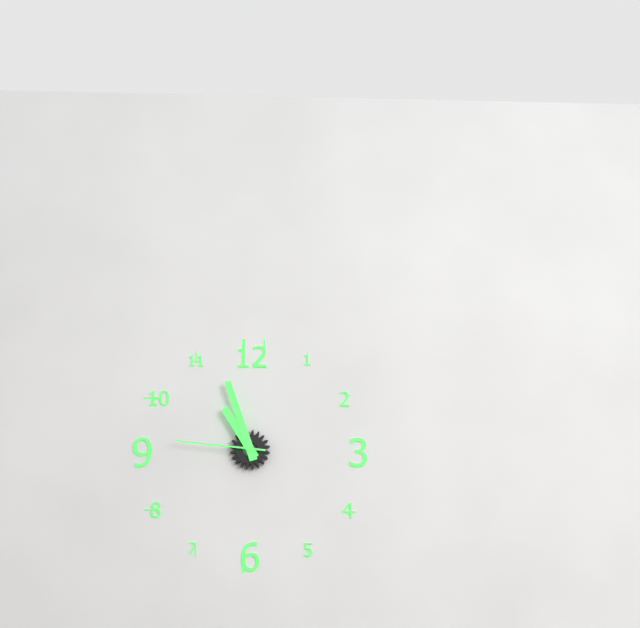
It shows 10 h 57 min 46 s
